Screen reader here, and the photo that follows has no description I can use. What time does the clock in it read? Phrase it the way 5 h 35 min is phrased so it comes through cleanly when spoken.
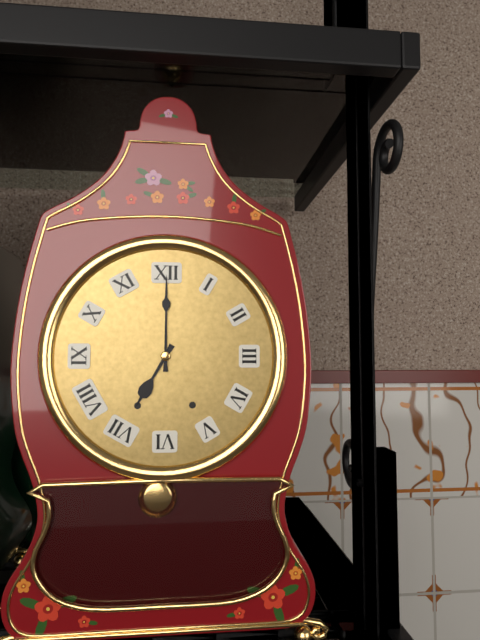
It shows 7 h 00 min
